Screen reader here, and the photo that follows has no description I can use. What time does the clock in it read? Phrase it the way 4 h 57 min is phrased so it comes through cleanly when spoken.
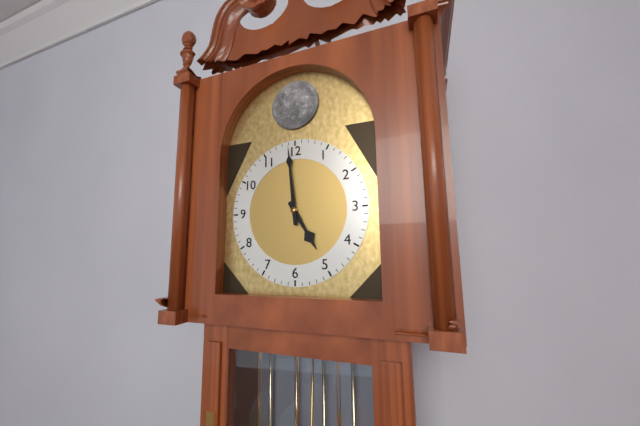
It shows 4 h 59 min
